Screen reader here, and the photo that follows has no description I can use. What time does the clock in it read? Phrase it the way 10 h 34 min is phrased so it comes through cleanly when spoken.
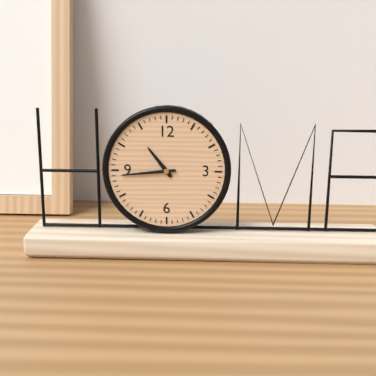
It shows 10 h 44 min
